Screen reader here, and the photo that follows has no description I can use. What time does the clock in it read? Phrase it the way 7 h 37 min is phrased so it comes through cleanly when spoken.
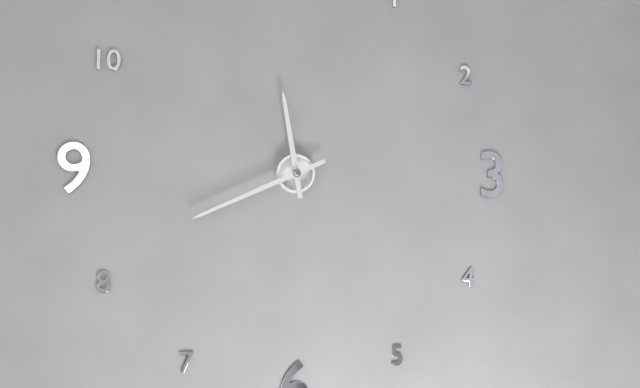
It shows 11 h 41 min
